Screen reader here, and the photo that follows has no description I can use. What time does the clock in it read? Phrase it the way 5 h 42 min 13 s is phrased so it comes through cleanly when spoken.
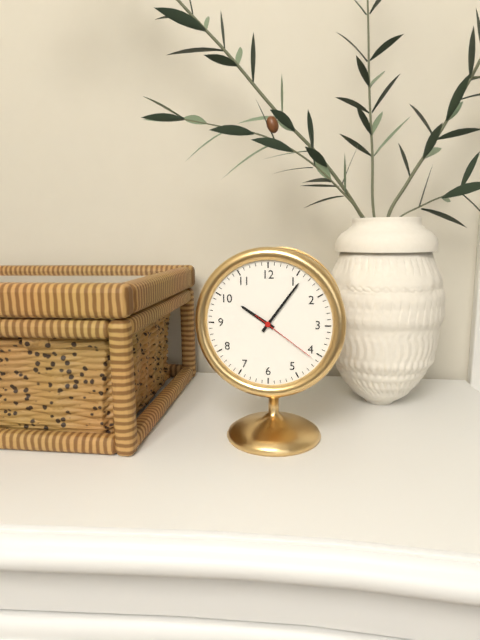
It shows 10 h 06 min 21 s
